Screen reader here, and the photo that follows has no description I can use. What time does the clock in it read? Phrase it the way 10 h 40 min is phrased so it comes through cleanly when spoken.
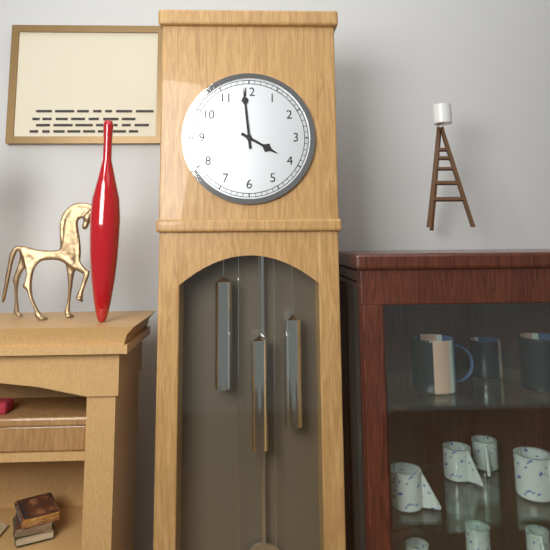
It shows 3 h 59 min
